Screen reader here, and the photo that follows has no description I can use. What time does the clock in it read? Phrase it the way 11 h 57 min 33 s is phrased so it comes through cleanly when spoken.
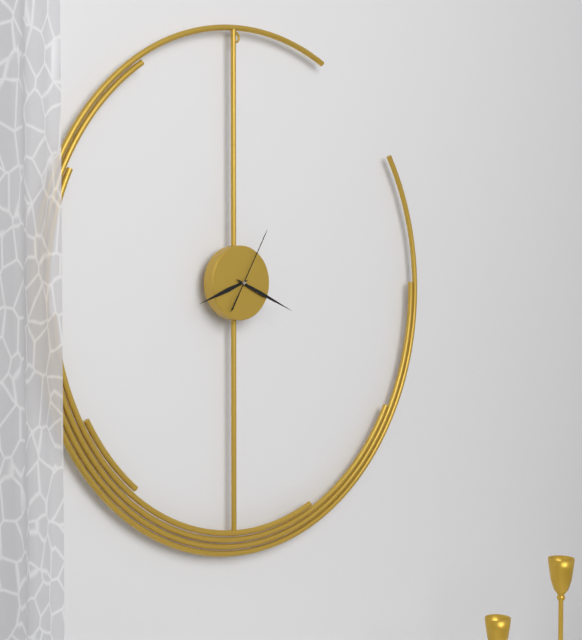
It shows 8 h 19 min 05 s
